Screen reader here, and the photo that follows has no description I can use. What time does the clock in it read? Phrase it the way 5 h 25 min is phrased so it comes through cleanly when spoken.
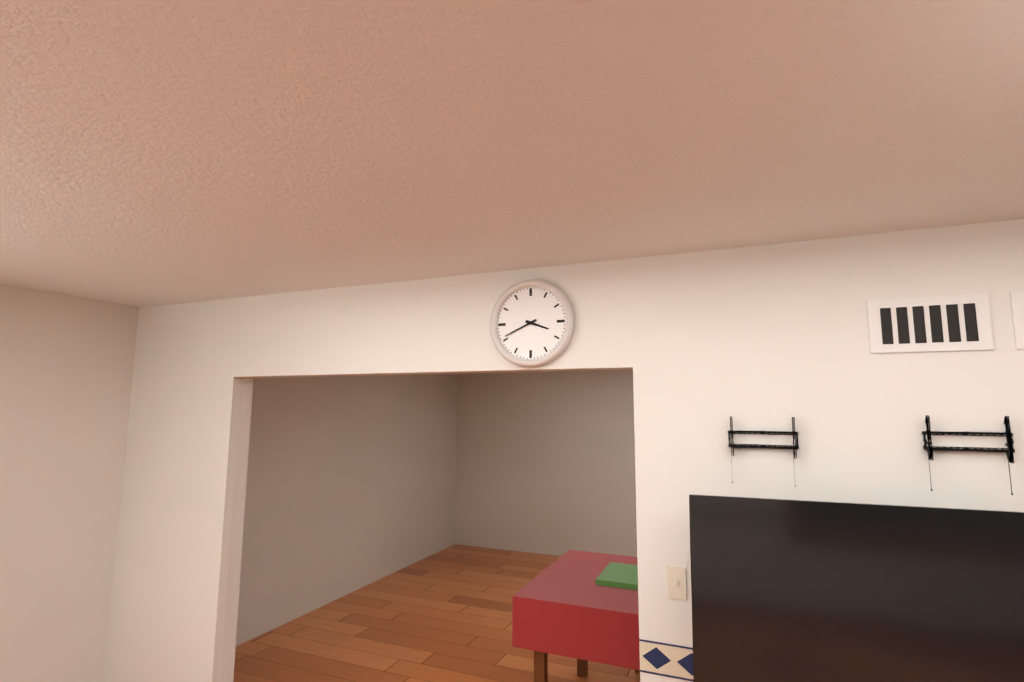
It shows 3 h 41 min
